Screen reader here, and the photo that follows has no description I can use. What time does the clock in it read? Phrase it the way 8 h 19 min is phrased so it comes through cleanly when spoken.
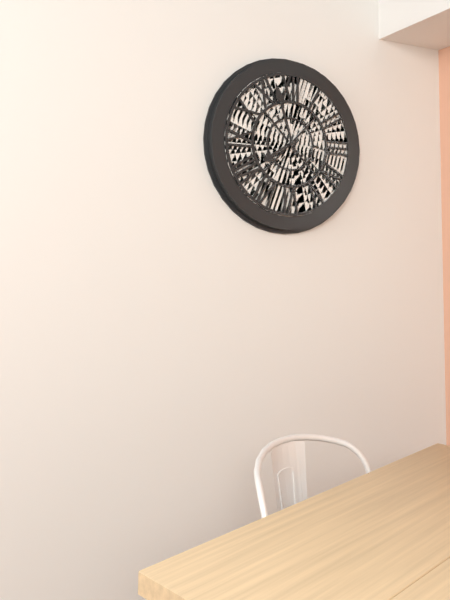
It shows 7 h 57 min
